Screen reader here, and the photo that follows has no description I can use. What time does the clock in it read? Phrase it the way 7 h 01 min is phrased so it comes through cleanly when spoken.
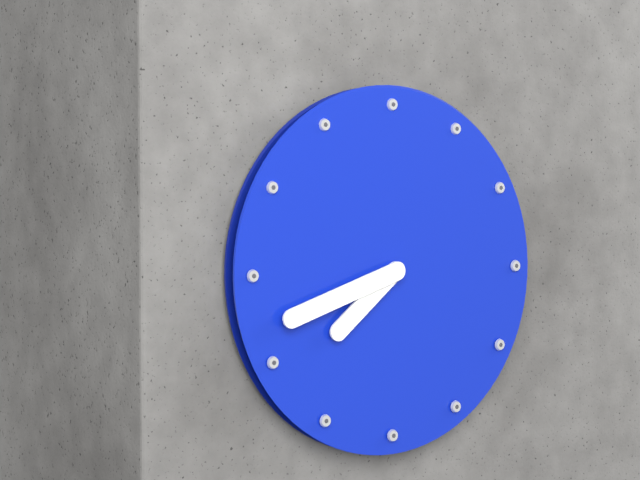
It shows 7 h 42 min
